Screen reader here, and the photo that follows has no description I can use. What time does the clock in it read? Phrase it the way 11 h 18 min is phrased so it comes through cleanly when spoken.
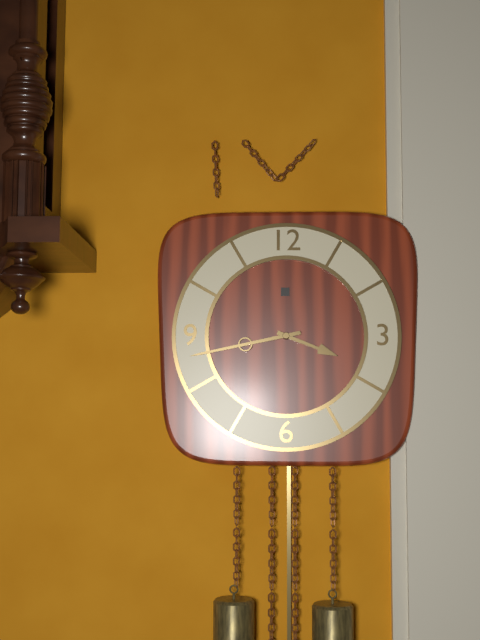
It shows 3 h 43 min
